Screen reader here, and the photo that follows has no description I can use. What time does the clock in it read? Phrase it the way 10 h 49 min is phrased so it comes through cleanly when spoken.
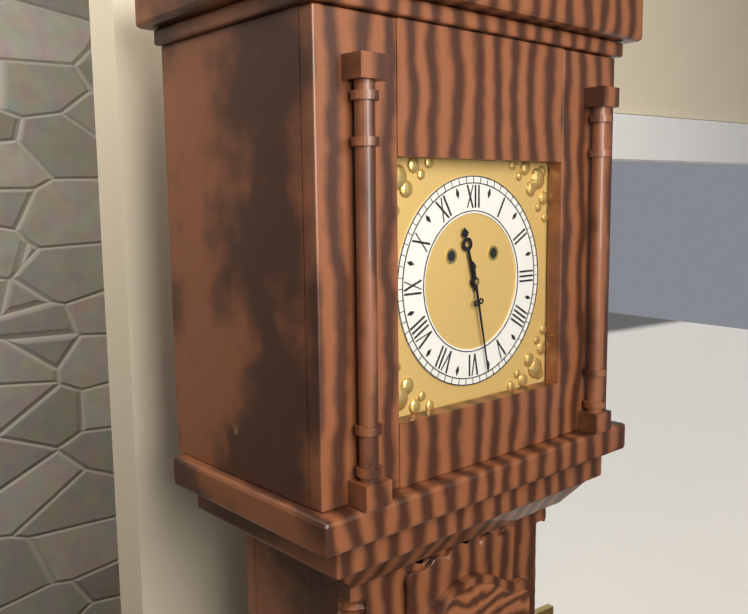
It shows 11 h 28 min
